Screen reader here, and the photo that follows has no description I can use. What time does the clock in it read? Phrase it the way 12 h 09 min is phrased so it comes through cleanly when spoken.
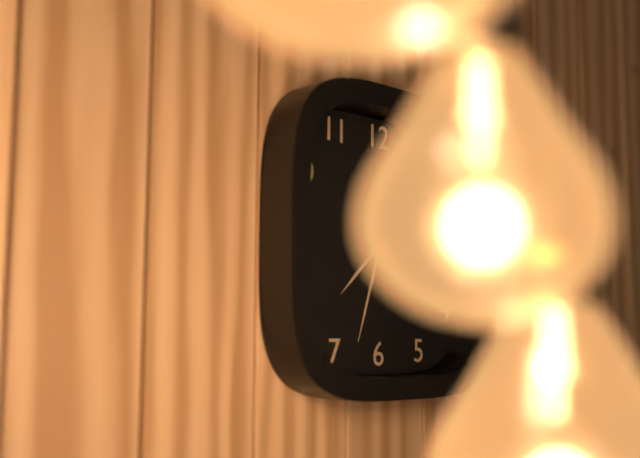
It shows 7 h 33 min
